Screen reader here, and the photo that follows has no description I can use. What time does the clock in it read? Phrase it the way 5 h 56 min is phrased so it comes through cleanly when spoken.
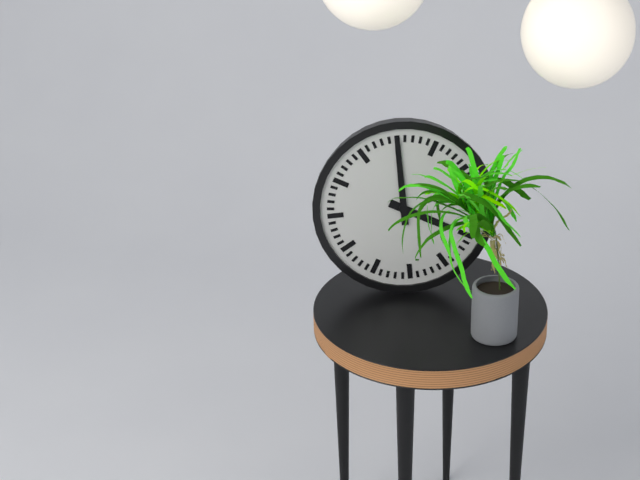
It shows 4 h 00 min
